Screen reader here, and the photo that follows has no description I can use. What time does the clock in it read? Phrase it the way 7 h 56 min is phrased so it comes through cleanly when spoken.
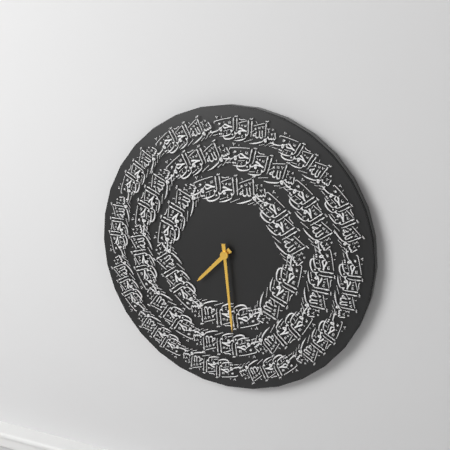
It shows 7 h 29 min
